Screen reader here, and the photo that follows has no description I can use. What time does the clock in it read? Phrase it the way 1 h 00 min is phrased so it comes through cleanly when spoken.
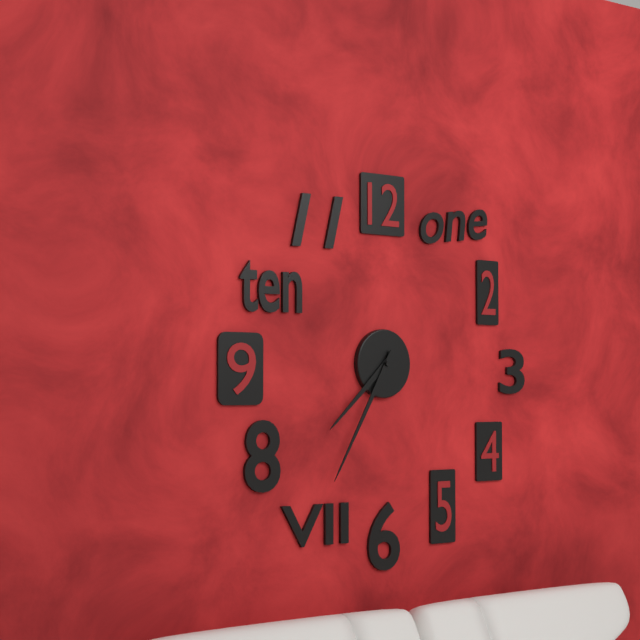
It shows 7 h 35 min
